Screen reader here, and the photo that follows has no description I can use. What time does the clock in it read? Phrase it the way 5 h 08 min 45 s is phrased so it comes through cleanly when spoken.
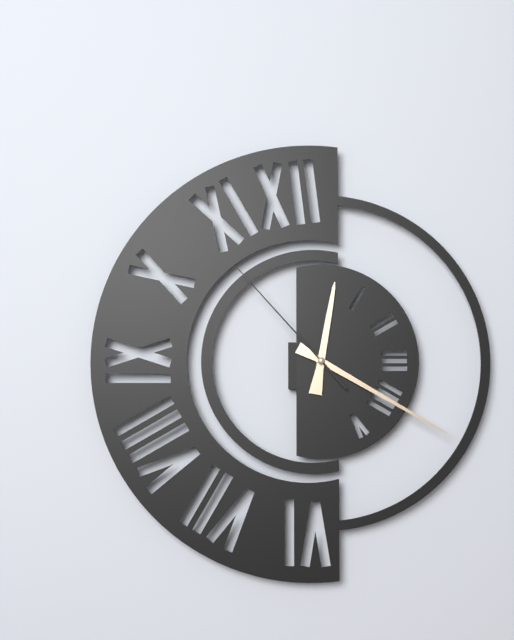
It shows 12 h 20 min 53 s
